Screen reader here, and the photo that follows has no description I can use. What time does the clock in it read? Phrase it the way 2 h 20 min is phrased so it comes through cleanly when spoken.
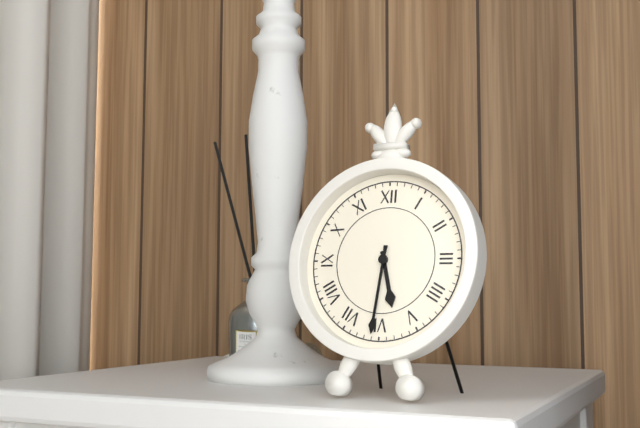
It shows 5 h 31 min
